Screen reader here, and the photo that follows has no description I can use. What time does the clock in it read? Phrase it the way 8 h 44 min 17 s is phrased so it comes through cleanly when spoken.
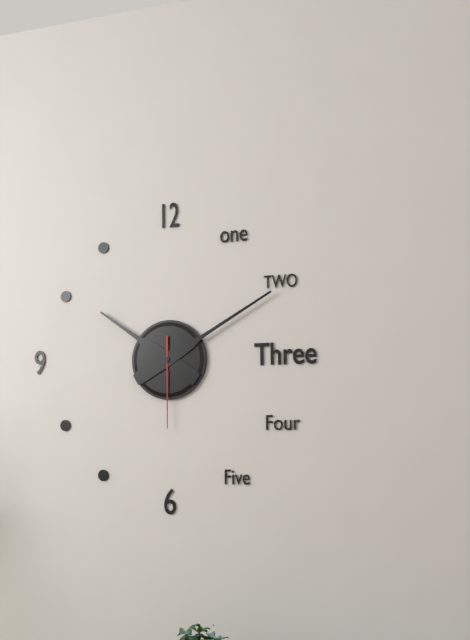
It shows 10 h 10 min 30 s
